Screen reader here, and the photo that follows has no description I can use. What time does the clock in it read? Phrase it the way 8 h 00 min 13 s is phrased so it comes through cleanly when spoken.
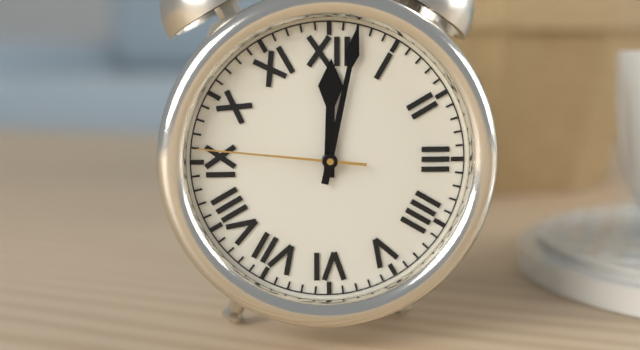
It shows 12 h 02 min 46 s
